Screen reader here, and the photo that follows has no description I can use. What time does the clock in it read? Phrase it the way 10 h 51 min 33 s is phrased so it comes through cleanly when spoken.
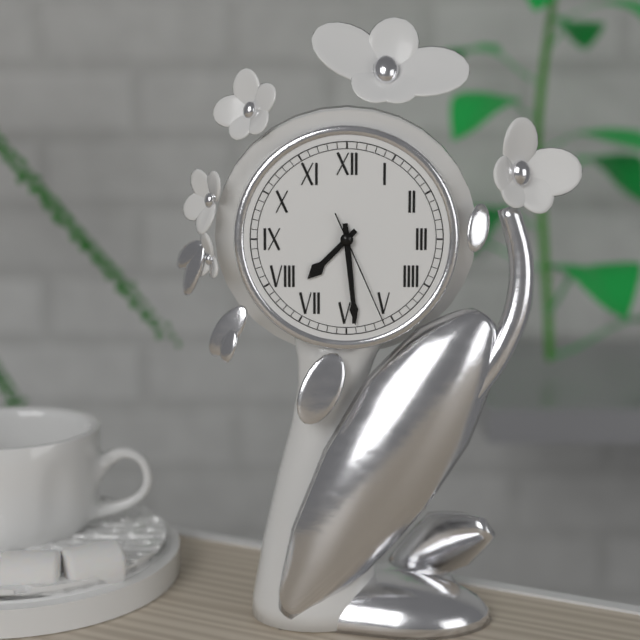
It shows 7 h 29 min 26 s
